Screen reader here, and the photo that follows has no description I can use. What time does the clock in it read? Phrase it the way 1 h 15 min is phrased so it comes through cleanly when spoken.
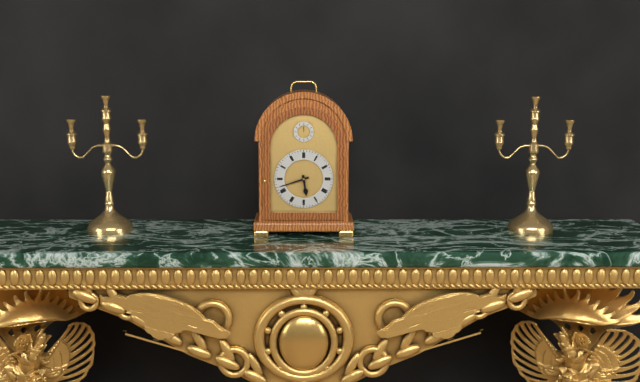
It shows 5 h 42 min
